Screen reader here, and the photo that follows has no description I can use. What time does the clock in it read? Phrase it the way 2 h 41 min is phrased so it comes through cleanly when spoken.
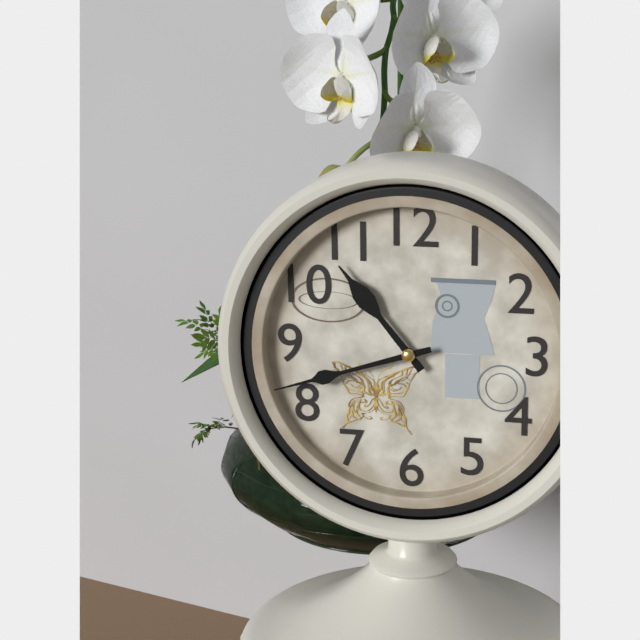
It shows 10 h 42 min
